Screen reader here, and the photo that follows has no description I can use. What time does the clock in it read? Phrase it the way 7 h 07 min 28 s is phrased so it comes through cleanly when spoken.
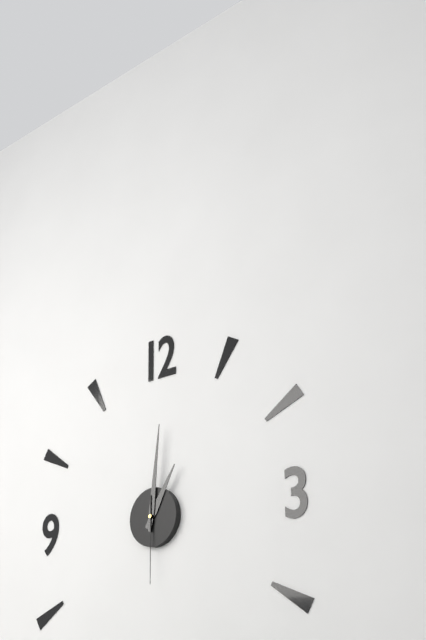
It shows 1 h 01 min 30 s
